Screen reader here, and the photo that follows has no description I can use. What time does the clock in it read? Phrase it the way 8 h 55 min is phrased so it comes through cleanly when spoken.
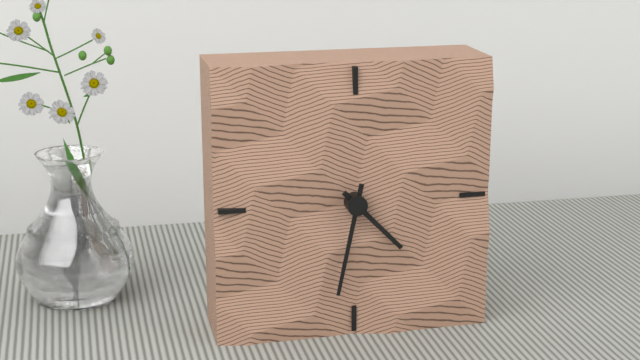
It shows 4 h 32 min
